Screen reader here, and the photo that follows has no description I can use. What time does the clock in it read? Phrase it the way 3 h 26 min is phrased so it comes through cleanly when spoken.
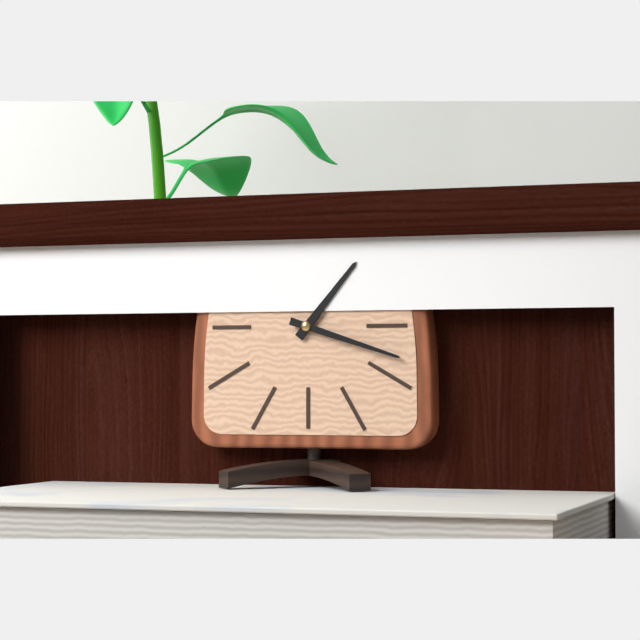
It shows 1 h 18 min
